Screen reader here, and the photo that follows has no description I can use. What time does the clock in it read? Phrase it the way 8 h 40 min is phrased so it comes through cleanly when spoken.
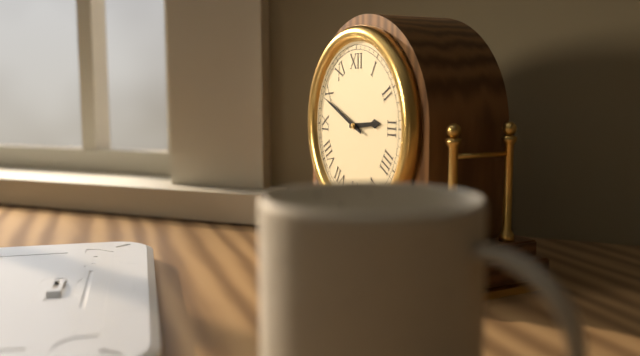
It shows 2 h 49 min
